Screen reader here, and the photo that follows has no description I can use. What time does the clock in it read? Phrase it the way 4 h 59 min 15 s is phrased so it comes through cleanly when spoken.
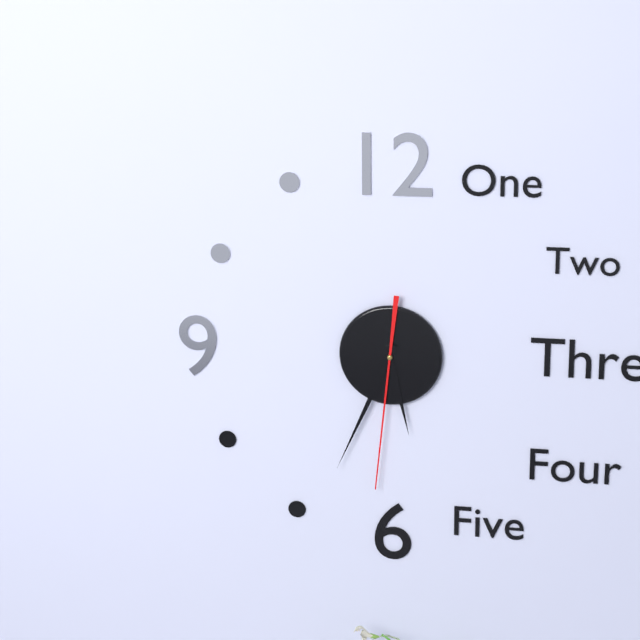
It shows 5 h 34 min 31 s
